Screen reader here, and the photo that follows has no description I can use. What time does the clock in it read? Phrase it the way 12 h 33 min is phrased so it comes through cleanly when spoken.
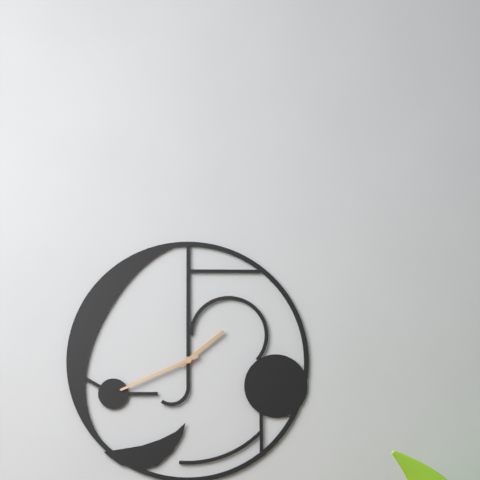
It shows 1 h 41 min
